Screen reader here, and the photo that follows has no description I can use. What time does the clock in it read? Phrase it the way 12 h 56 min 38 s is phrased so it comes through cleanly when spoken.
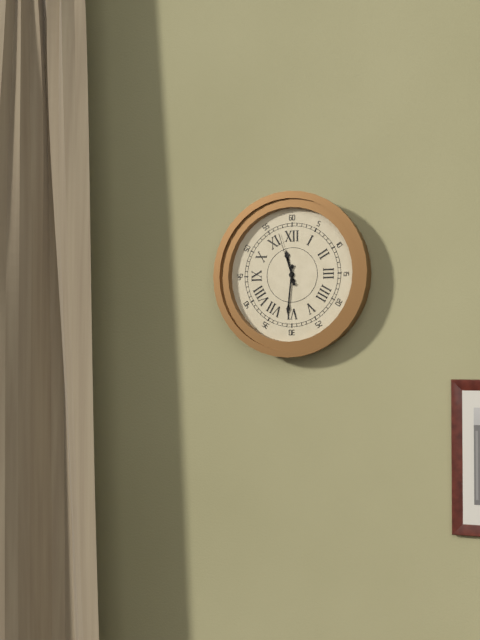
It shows 11 h 31 min 57 s
